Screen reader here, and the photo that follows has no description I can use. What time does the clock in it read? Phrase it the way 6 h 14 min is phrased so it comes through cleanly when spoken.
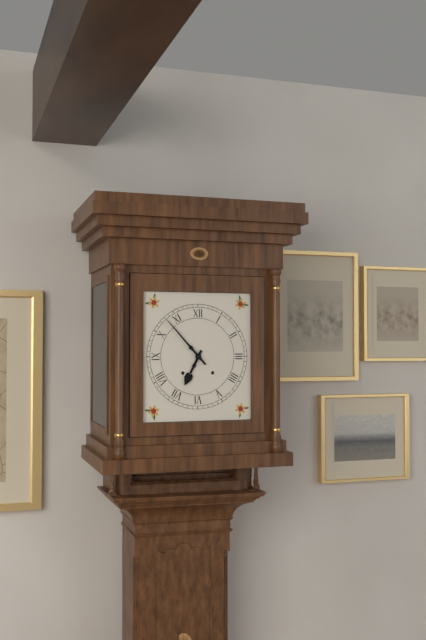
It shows 6 h 53 min
